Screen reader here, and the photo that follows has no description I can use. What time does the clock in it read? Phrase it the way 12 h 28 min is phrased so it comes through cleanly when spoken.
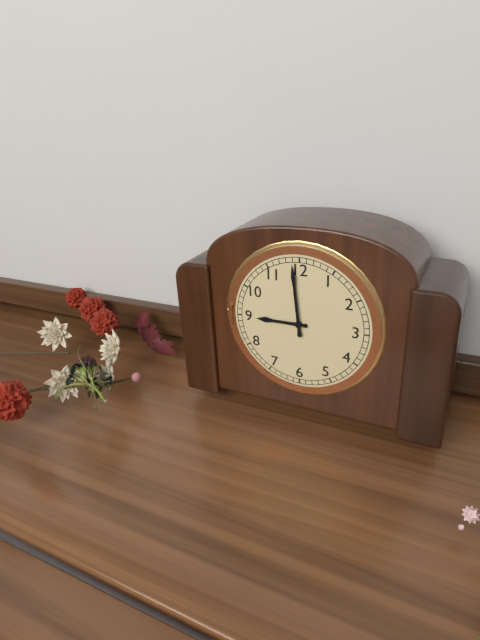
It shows 8 h 59 min
